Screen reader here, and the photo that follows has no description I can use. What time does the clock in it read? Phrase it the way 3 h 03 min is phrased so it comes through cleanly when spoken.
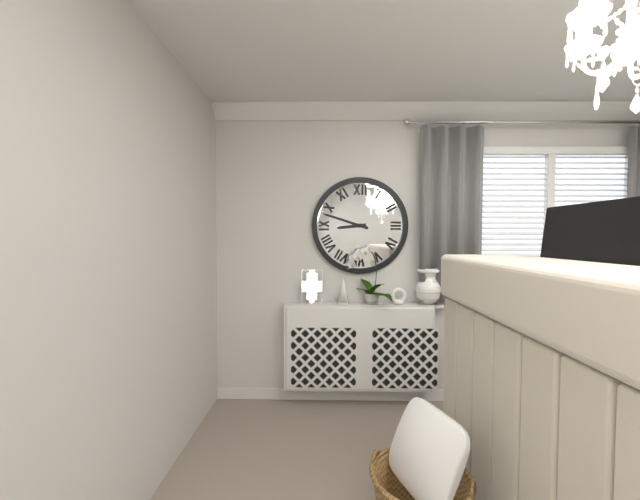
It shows 8 h 48 min
